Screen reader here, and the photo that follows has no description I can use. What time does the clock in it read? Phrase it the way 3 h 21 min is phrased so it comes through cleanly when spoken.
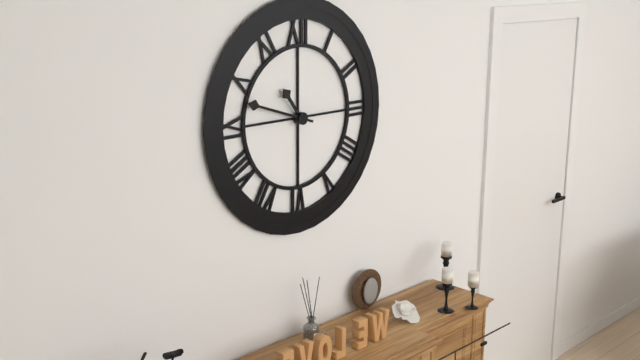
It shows 10 h 48 min
